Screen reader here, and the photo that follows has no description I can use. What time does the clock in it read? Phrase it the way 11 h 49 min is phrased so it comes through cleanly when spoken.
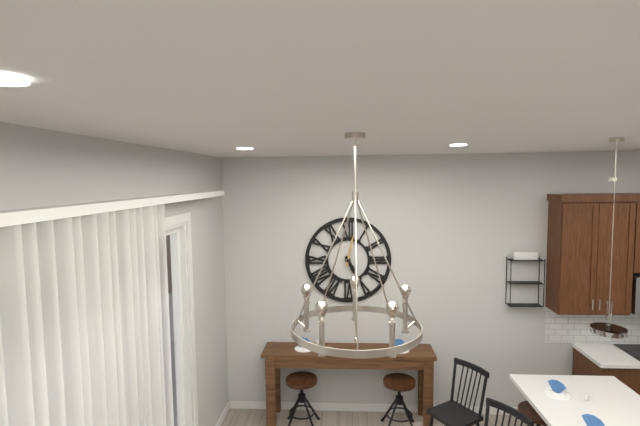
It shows 5 h 02 min
